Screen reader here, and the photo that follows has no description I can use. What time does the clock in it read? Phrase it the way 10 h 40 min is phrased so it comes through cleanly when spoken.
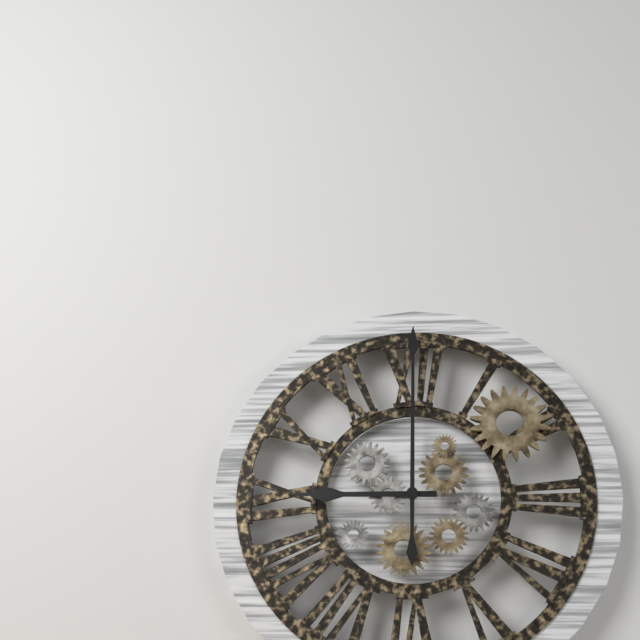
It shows 9 h 00 min
